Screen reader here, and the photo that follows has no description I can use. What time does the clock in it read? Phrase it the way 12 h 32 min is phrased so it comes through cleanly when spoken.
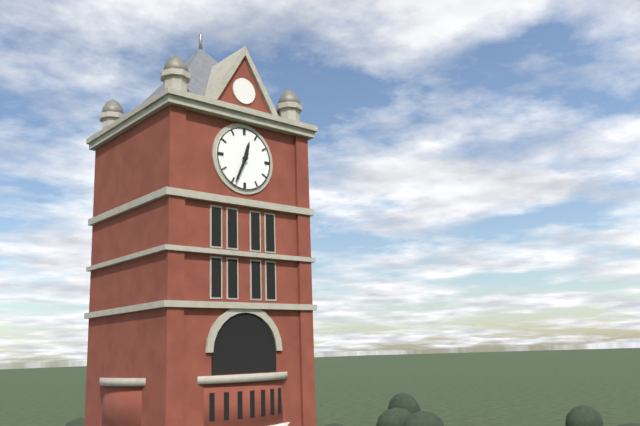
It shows 12 h 34 min
